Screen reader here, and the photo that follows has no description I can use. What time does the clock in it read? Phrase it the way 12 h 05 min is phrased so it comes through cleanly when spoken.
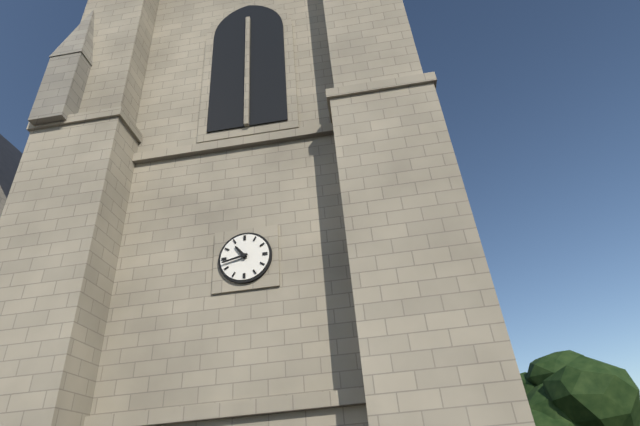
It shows 10 h 43 min
